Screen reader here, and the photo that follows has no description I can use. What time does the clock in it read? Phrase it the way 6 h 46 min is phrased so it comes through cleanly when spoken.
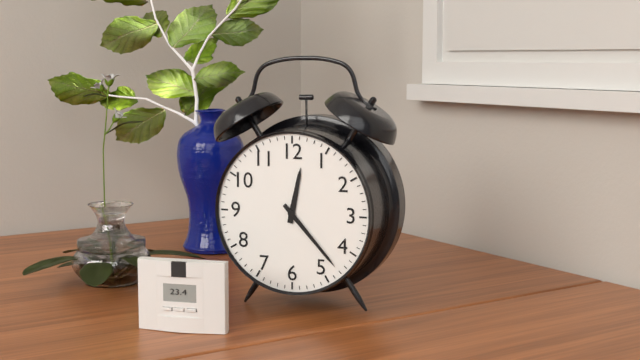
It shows 12 h 23 min
